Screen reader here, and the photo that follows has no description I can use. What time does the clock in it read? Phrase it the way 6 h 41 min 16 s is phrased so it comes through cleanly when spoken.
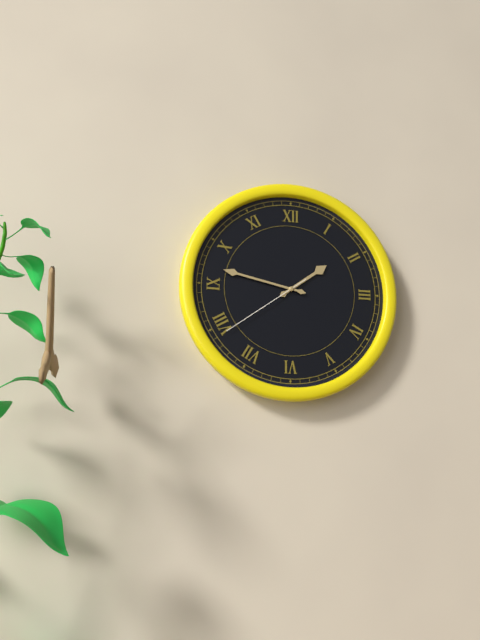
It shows 1 h 47 min 39 s
